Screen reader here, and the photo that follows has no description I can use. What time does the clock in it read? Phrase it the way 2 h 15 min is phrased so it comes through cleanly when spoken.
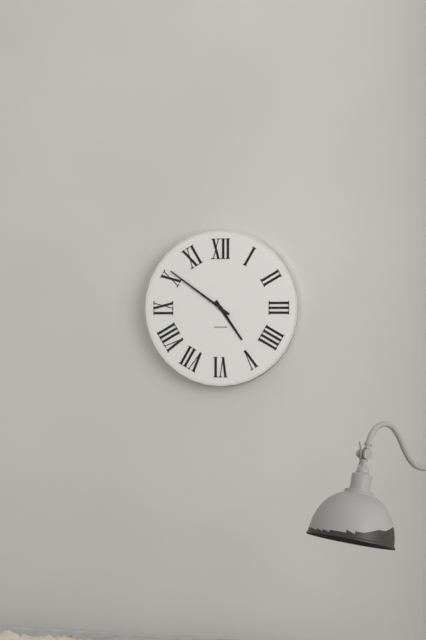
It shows 4 h 51 min
